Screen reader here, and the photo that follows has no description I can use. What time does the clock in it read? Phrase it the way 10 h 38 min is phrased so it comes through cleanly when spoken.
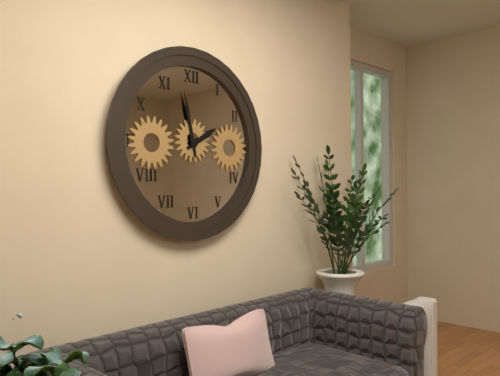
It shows 1 h 58 min
